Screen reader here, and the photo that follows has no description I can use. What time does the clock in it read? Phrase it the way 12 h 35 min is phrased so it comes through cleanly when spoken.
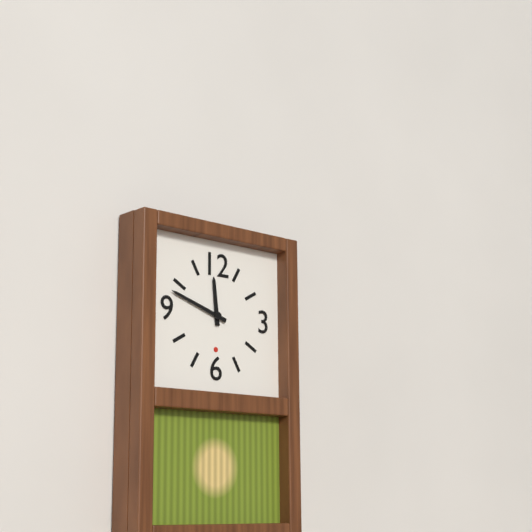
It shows 11 h 48 min
